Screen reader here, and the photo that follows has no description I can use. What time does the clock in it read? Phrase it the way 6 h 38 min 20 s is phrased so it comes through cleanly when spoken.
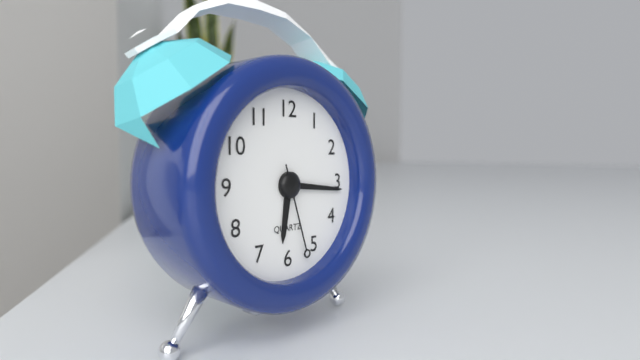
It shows 6 h 16 min 27 s
